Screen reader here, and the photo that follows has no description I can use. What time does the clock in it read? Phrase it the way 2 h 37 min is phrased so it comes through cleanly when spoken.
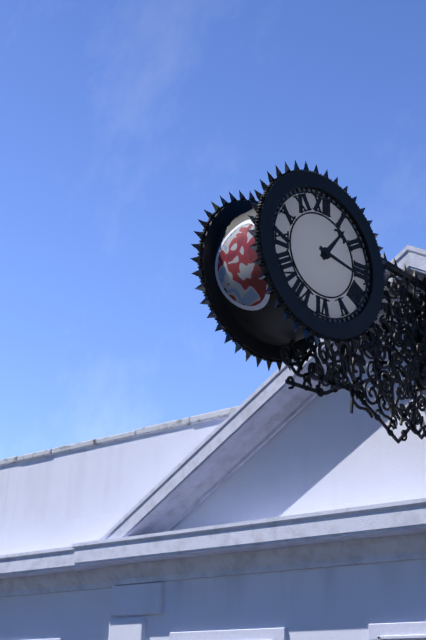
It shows 1 h 17 min
